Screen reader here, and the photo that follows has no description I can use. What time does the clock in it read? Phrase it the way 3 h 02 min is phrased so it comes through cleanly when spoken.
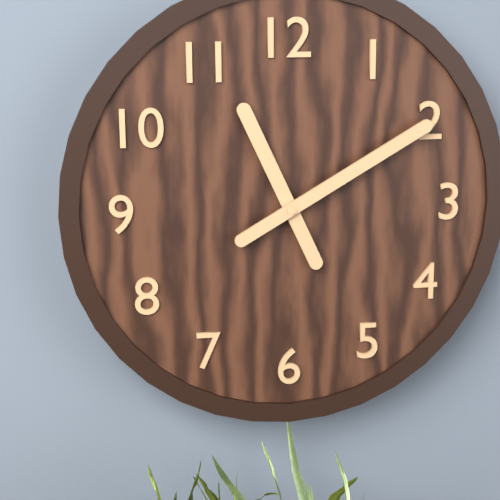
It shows 11 h 10 min
